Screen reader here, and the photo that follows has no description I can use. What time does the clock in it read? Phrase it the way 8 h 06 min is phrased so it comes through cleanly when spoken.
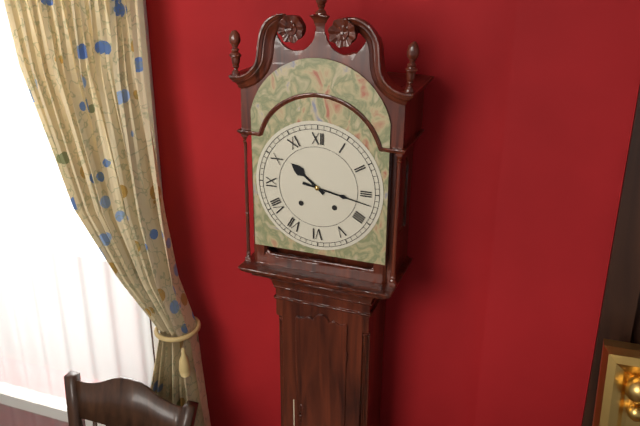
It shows 10 h 17 min
